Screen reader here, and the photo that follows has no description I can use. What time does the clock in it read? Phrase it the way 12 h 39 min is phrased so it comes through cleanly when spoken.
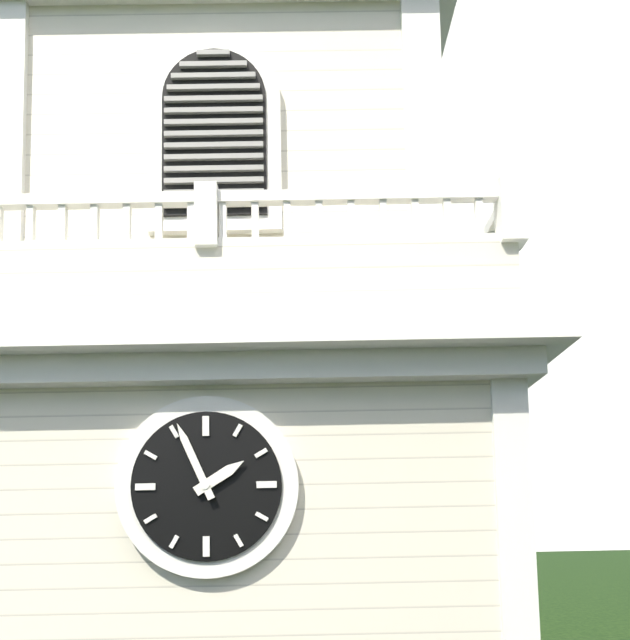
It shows 1 h 56 min
